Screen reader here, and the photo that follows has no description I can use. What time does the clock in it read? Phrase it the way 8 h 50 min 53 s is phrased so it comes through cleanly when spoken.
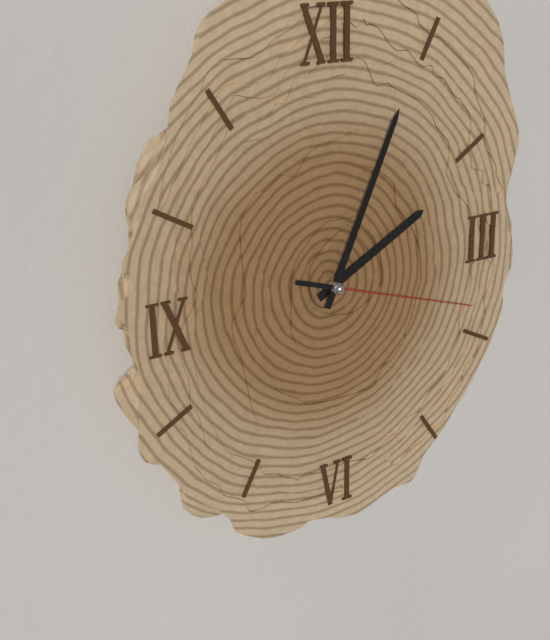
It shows 2 h 04 min 18 s
